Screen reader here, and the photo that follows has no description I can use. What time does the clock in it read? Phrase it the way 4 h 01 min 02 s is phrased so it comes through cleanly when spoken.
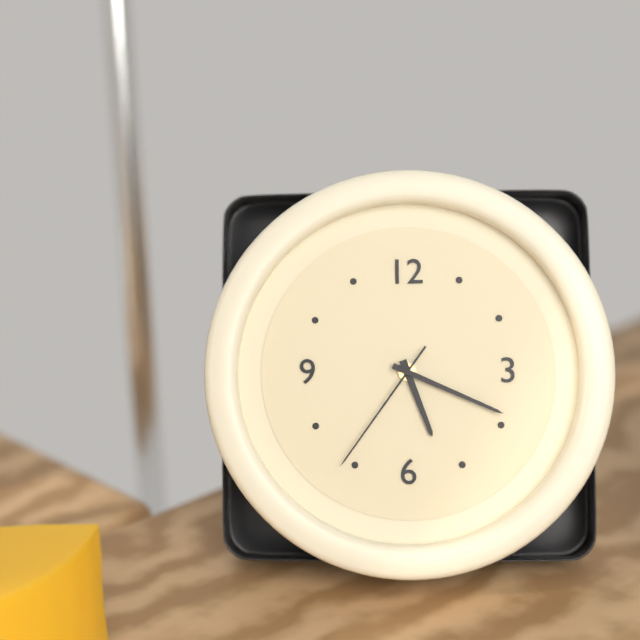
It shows 5 h 19 min 36 s
